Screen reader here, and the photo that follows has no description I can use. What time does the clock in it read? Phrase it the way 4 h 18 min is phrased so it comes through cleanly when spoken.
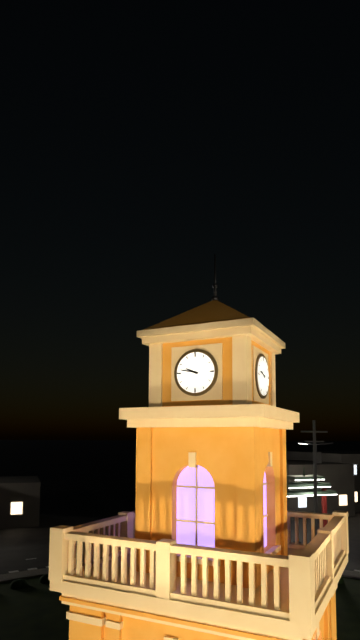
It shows 9 h 47 min
